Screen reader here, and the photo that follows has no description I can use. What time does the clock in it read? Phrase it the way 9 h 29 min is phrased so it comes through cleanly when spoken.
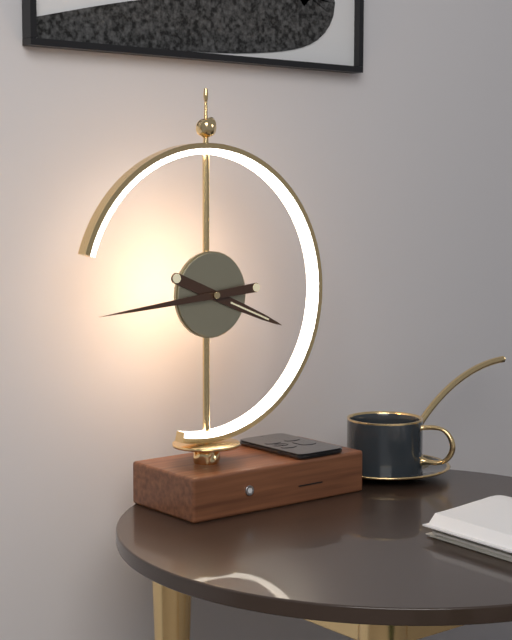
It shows 3 h 44 min
